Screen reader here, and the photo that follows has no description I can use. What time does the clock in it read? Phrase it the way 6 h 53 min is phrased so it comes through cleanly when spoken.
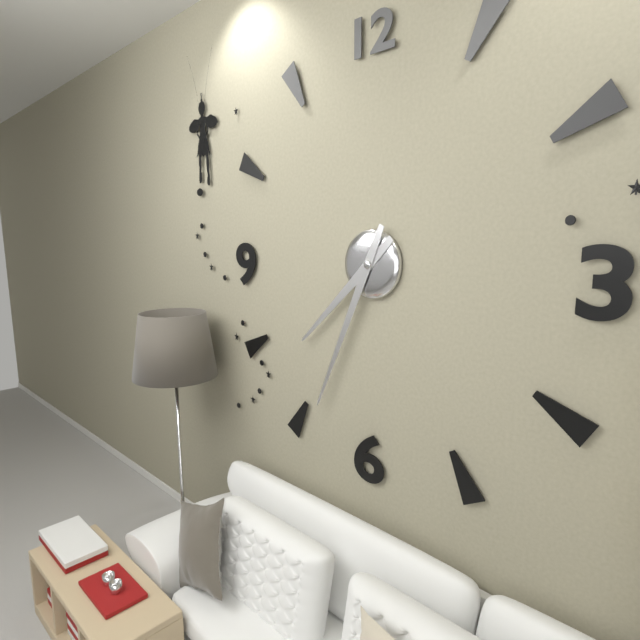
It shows 7 h 34 min
